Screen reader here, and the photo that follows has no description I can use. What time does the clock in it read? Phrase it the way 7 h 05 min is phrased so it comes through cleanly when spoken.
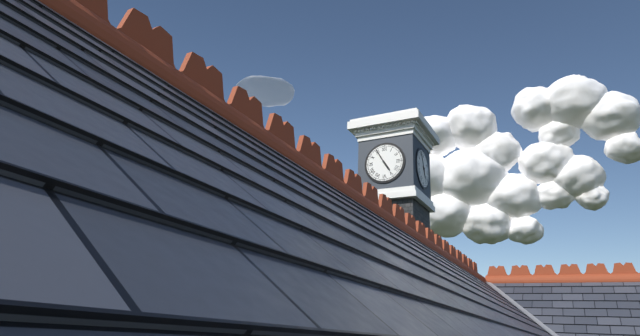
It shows 4 h 55 min
